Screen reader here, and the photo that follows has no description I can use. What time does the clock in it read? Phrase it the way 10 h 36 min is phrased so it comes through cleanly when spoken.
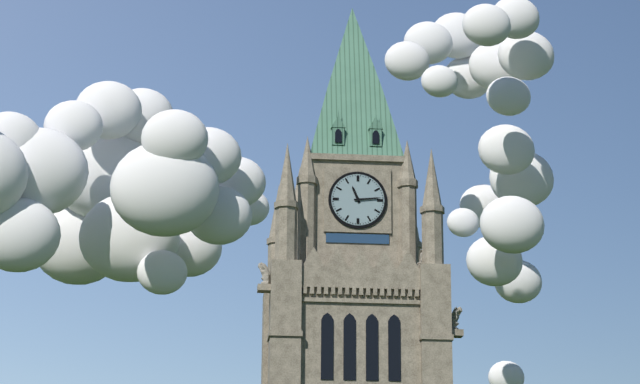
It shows 11 h 14 min
